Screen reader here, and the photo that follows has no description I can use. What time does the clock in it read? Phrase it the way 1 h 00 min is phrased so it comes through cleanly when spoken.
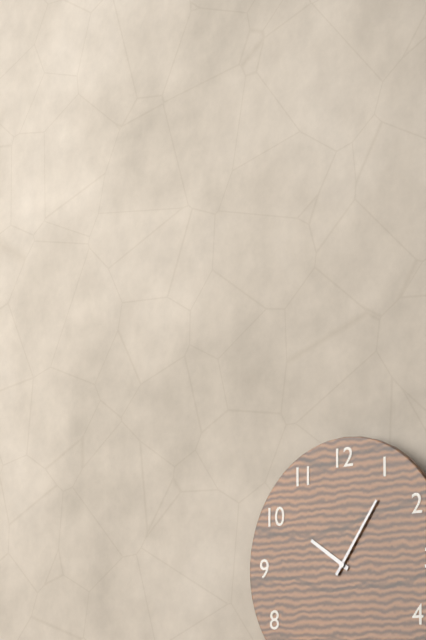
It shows 10 h 06 min
